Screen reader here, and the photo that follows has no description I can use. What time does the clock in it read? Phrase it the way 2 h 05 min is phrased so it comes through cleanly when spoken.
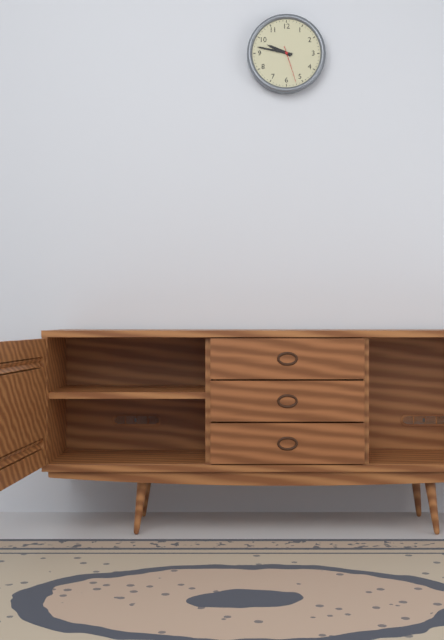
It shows 9 h 47 min
